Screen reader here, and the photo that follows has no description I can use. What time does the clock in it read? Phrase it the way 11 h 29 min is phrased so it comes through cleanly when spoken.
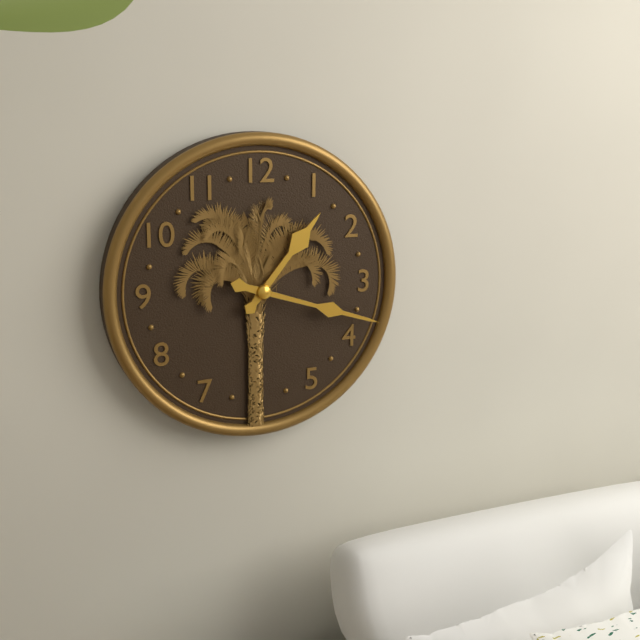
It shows 1 h 18 min
